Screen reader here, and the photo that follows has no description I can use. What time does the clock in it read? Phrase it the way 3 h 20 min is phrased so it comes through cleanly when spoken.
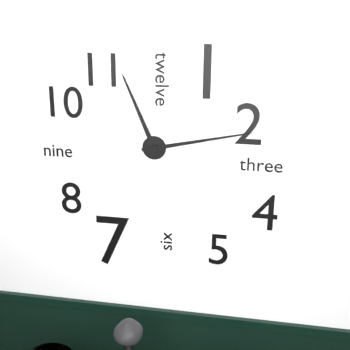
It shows 11 h 13 min
